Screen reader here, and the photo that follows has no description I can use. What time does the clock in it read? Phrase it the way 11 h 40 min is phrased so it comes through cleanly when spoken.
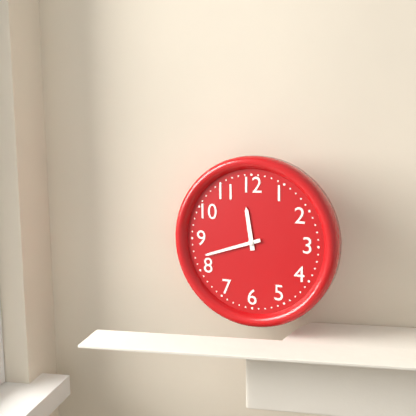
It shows 11 h 42 min
